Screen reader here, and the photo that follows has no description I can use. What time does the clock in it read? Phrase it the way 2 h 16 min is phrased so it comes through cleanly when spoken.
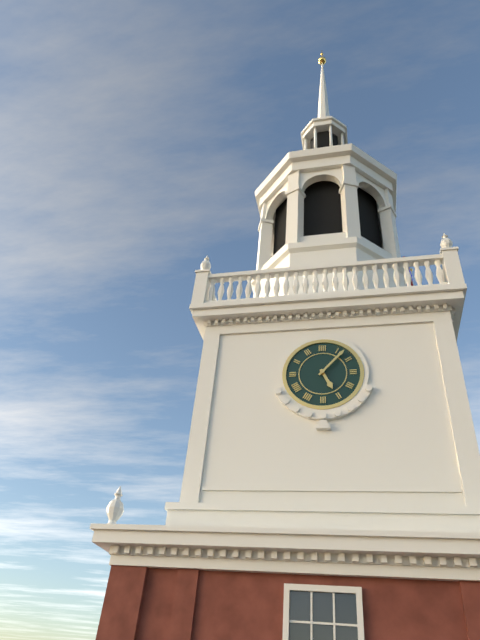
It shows 5 h 07 min
